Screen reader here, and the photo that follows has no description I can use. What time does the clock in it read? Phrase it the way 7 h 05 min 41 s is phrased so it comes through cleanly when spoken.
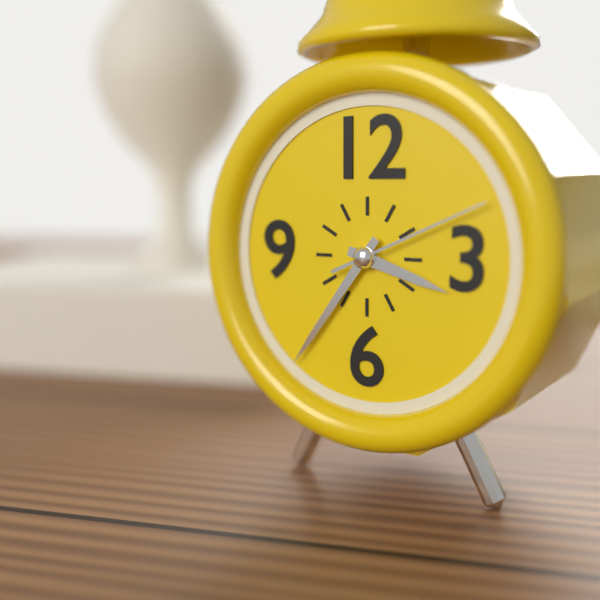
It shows 3 h 36 min 11 s
